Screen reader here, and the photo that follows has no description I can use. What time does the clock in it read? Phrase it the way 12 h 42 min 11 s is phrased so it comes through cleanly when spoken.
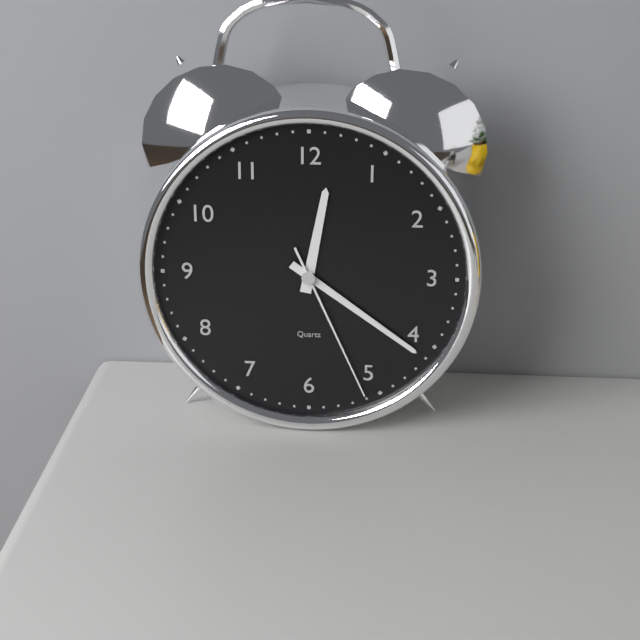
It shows 12 h 21 min 26 s
